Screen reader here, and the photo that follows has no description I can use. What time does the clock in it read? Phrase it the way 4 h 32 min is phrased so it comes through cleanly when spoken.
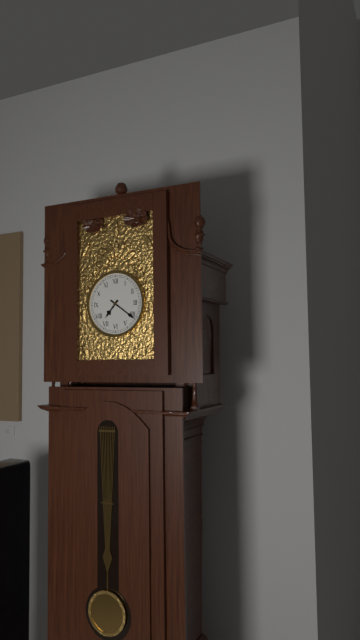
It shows 7 h 21 min
